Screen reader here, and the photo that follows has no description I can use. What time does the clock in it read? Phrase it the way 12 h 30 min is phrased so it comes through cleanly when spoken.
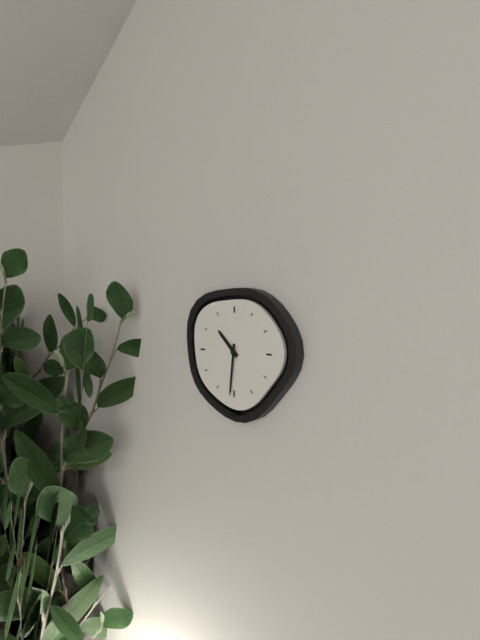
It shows 10 h 31 min
